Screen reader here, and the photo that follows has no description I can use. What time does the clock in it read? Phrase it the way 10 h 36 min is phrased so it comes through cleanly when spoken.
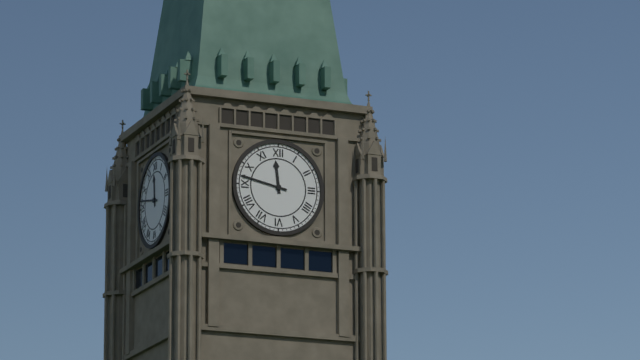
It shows 11 h 47 min
